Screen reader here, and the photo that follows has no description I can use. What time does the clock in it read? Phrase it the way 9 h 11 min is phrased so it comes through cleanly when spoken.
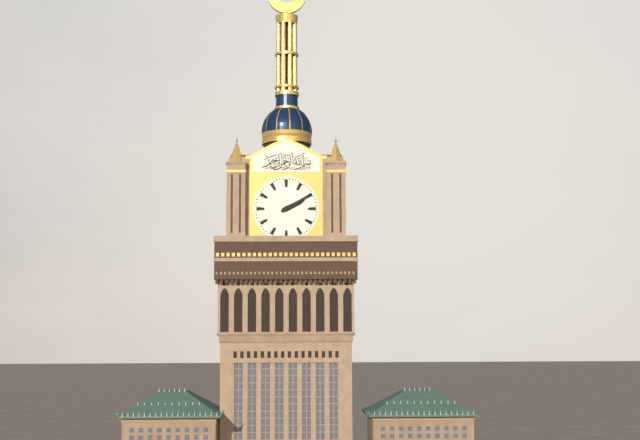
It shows 2 h 10 min
